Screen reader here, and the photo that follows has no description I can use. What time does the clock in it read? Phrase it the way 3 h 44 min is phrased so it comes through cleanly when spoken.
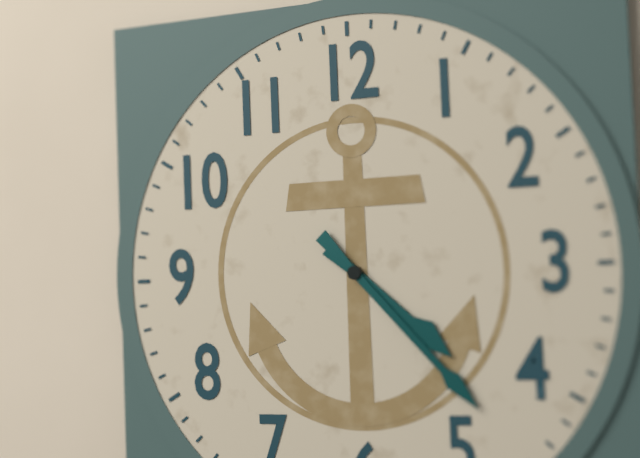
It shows 4 h 23 min
